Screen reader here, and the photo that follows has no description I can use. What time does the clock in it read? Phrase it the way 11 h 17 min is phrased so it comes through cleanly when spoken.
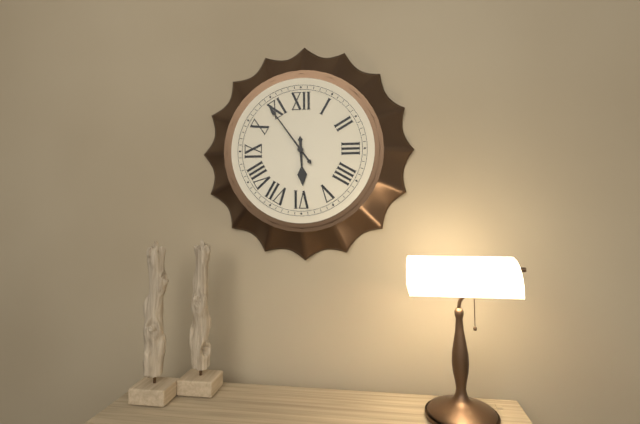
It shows 5 h 54 min
